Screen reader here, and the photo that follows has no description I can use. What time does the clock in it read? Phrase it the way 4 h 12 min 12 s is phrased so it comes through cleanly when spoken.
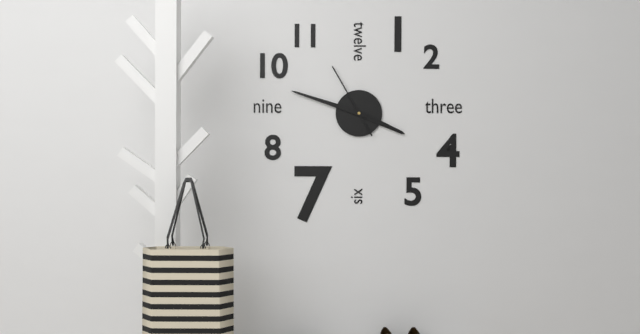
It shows 3 h 48 min 55 s
